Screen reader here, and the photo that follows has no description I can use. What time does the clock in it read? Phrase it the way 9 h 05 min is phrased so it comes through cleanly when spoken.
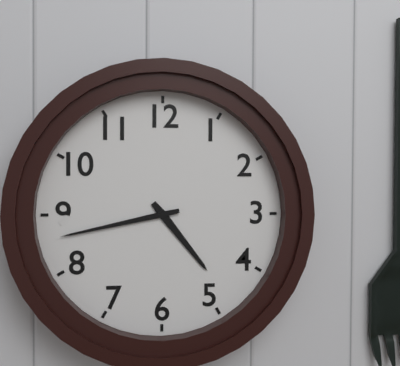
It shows 4 h 43 min
